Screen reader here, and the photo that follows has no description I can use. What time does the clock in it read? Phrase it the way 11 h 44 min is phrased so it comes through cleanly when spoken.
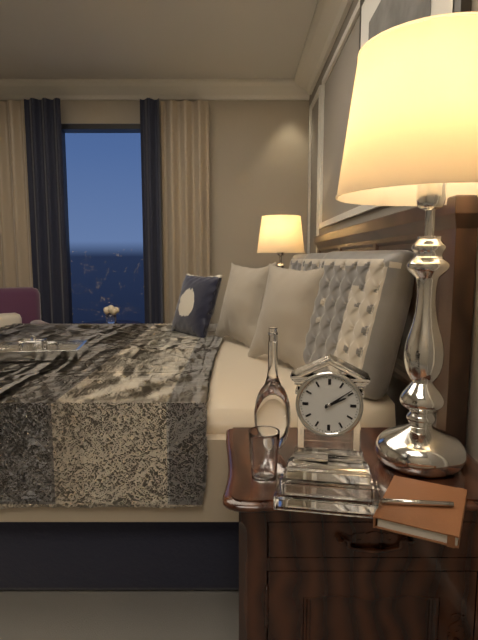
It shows 2 h 09 min
